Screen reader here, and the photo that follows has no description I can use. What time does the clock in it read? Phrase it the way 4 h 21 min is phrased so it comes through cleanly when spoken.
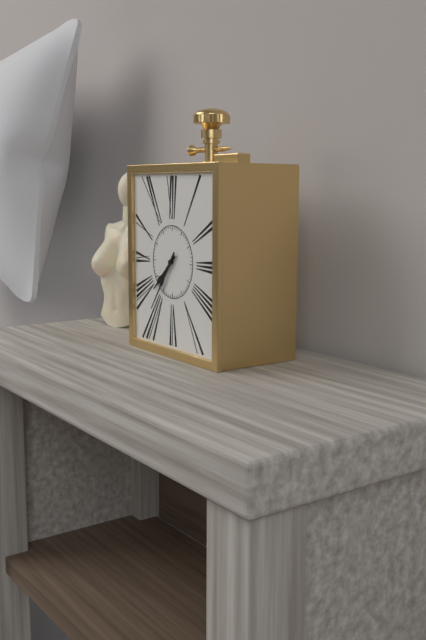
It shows 7 h 36 min
